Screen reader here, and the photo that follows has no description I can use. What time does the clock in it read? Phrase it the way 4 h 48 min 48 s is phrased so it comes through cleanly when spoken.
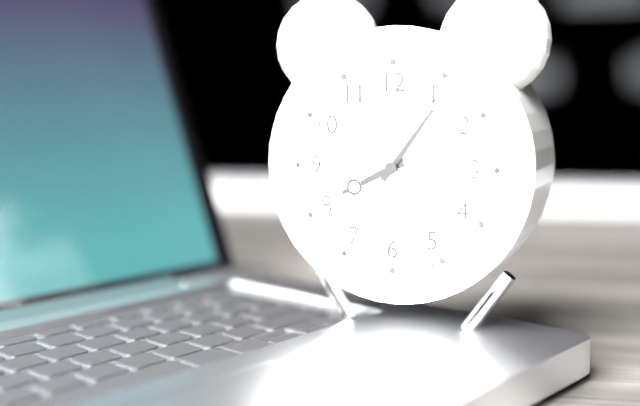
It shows 8 h 06 min 48 s
